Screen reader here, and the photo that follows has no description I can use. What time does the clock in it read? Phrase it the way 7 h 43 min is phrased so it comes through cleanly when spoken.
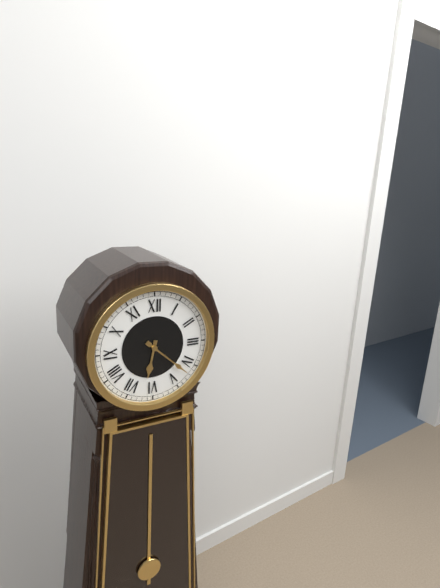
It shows 6 h 22 min
